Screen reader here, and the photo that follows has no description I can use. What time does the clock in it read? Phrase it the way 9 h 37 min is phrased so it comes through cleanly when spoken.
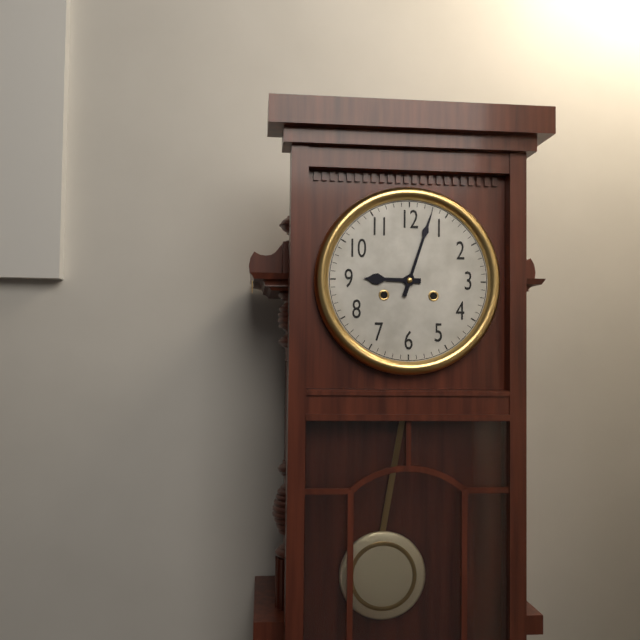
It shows 9 h 03 min
